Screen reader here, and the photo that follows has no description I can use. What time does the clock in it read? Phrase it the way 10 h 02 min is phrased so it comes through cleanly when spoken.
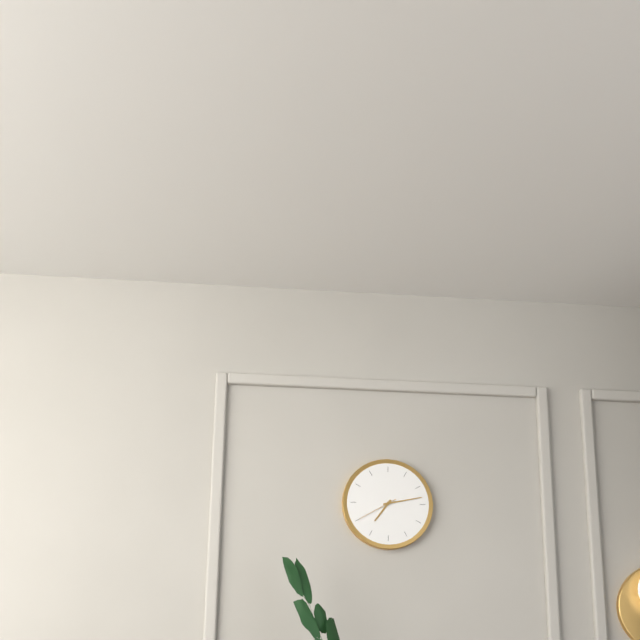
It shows 7 h 13 min
